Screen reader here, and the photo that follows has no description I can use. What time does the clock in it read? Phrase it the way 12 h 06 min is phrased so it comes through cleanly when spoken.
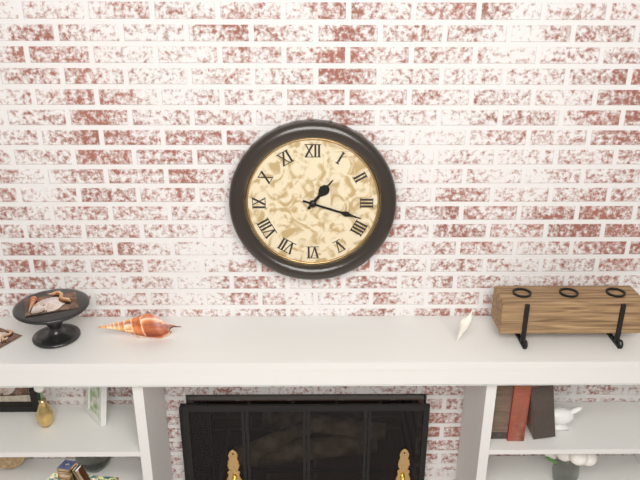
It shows 1 h 18 min
